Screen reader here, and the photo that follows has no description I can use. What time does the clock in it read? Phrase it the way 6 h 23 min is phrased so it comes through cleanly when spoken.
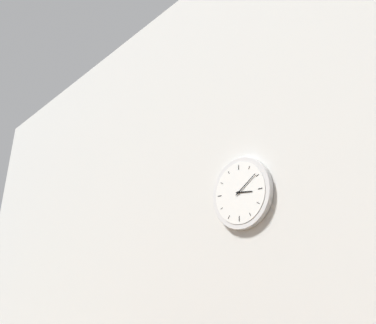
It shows 3 h 09 min
